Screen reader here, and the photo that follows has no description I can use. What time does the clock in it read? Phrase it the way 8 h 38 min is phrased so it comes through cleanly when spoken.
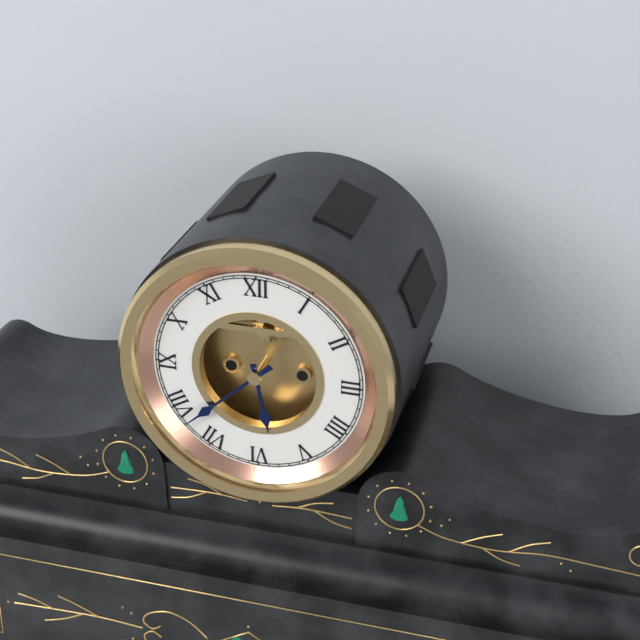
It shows 5 h 38 min
